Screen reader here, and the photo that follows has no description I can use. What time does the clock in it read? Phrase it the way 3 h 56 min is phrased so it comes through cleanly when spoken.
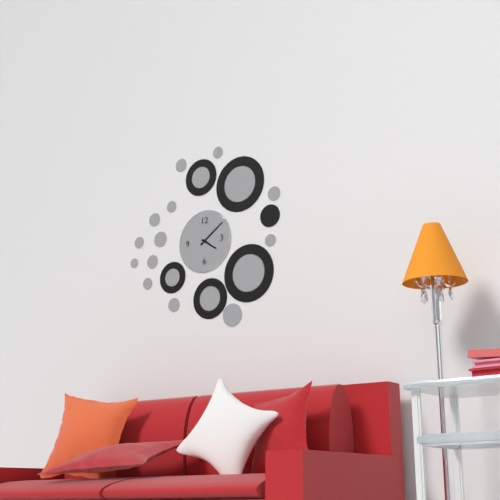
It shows 4 h 09 min
